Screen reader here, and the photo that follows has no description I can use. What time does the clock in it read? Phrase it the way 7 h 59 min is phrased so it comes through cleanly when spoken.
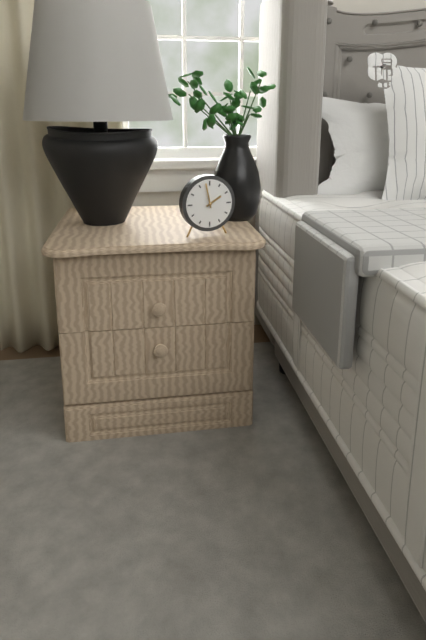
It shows 1 h 58 min
